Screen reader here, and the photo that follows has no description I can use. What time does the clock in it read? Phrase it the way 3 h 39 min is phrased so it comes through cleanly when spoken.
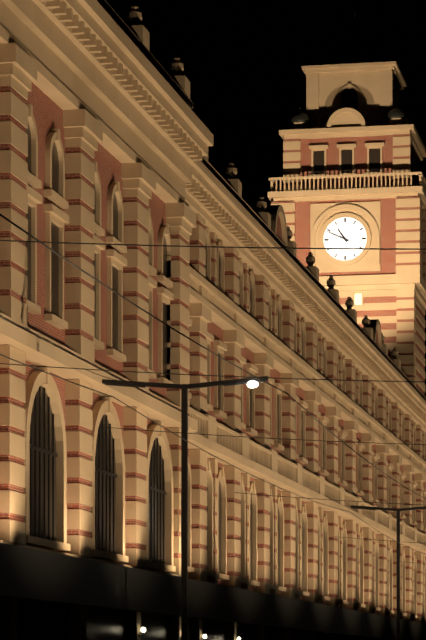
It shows 10 h 49 min
